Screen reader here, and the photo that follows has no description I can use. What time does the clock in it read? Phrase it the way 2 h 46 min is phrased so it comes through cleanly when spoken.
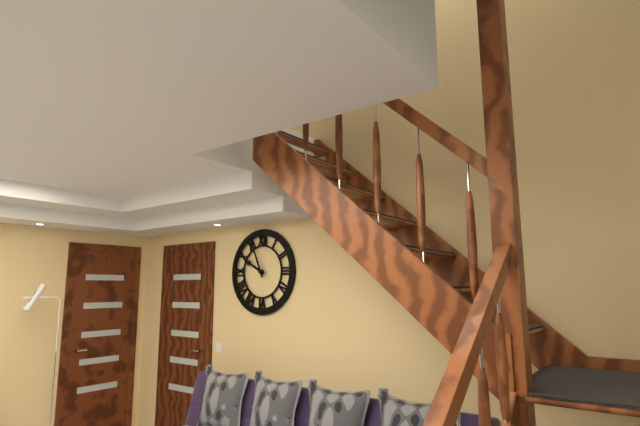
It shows 9 h 56 min
